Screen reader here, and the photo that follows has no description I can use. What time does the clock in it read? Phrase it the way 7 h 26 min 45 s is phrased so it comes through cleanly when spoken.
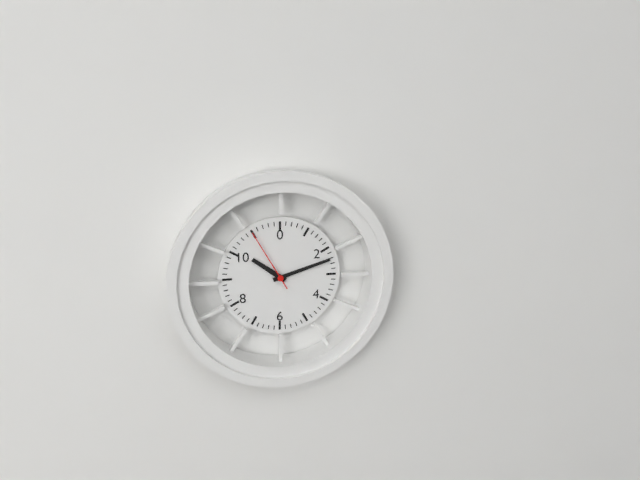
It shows 10 h 12 min 55 s
